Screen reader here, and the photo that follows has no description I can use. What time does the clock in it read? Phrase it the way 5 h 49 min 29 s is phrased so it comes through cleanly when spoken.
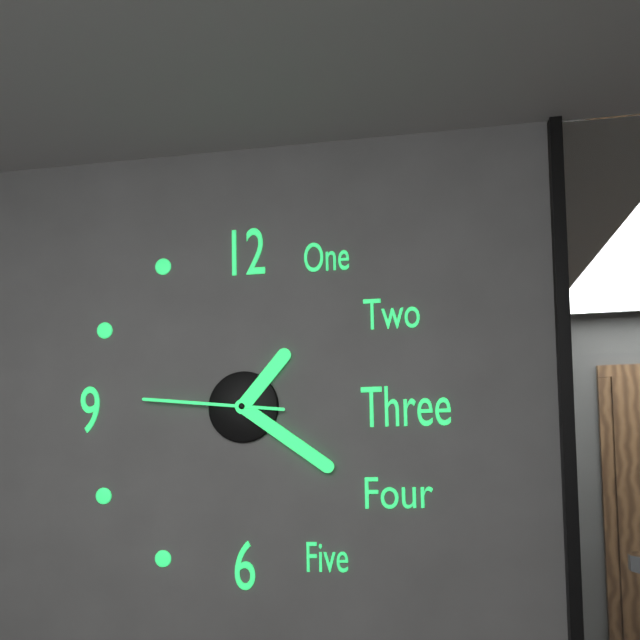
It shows 1 h 21 min 46 s
